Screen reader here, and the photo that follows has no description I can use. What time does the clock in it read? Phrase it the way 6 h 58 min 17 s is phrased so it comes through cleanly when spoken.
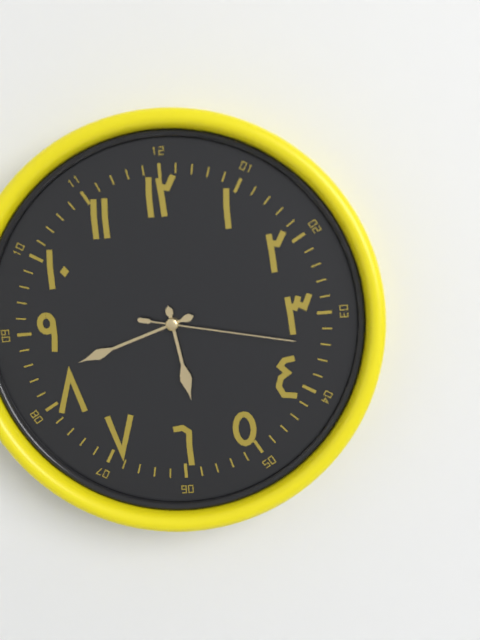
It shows 5 h 42 min 17 s
